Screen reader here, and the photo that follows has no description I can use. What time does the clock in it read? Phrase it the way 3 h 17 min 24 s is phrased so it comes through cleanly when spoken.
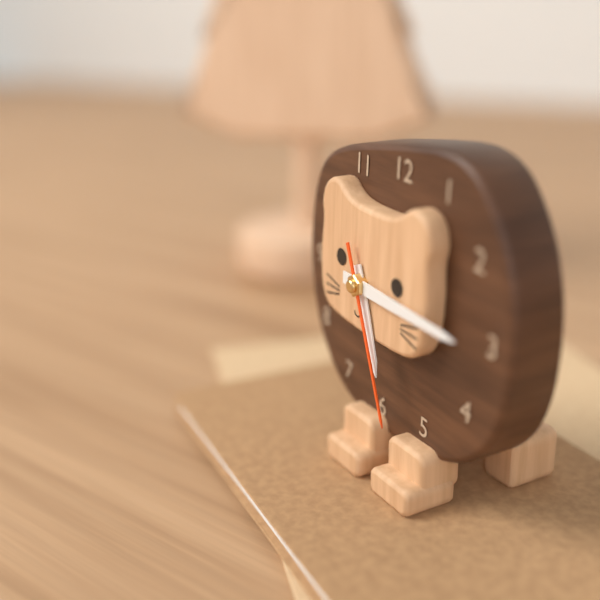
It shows 5 h 15 min 26 s
